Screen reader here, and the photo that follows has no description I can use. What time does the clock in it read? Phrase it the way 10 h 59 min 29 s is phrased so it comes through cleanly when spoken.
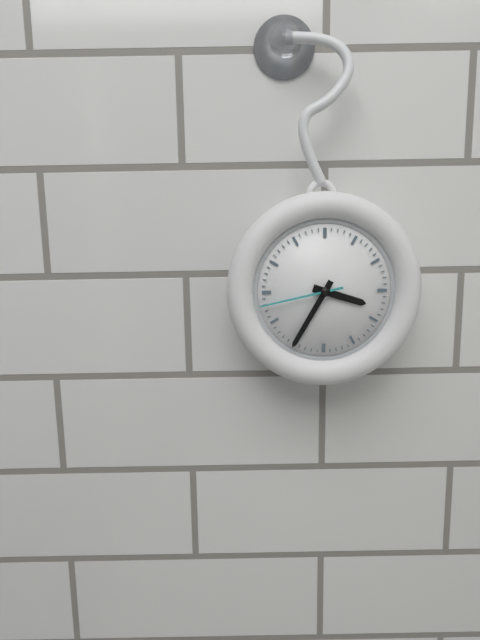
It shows 3 h 35 min 43 s
